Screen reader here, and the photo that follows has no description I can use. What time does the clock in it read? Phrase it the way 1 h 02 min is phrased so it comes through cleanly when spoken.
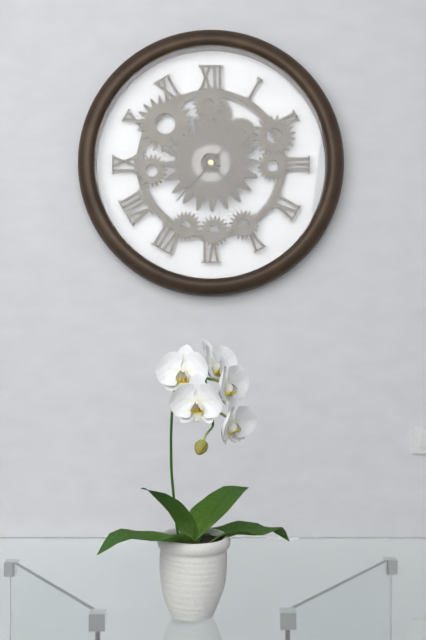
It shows 4 h 37 min
